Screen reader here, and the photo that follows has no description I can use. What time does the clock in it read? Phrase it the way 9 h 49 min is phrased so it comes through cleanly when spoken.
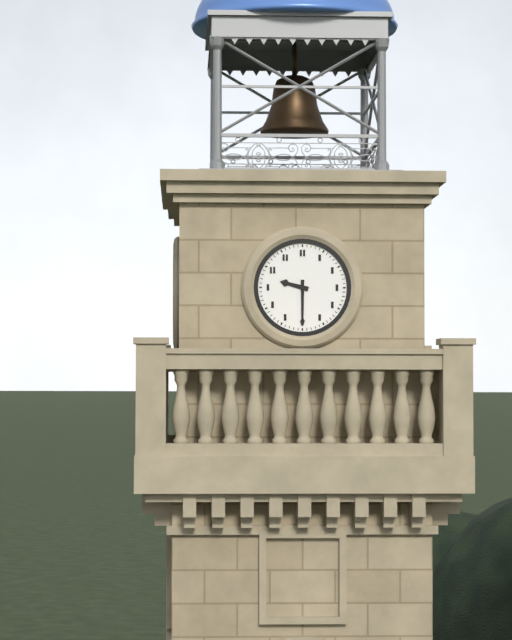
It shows 9 h 30 min
